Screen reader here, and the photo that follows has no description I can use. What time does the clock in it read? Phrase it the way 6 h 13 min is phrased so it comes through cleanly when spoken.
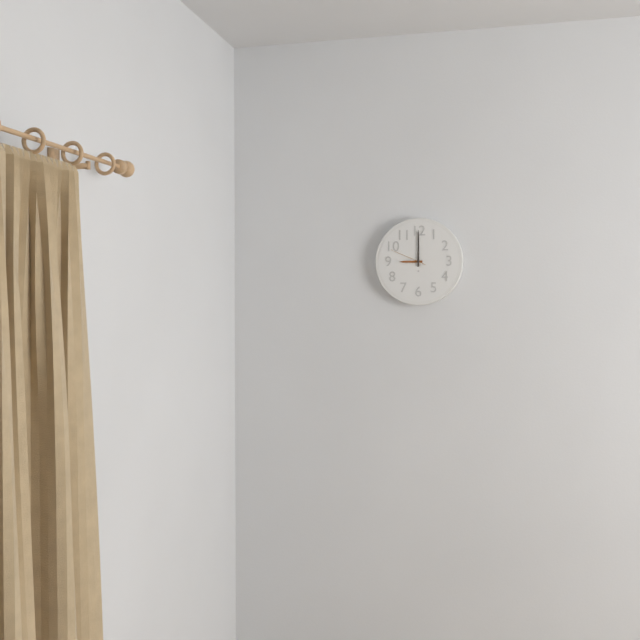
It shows 9 h 00 min
